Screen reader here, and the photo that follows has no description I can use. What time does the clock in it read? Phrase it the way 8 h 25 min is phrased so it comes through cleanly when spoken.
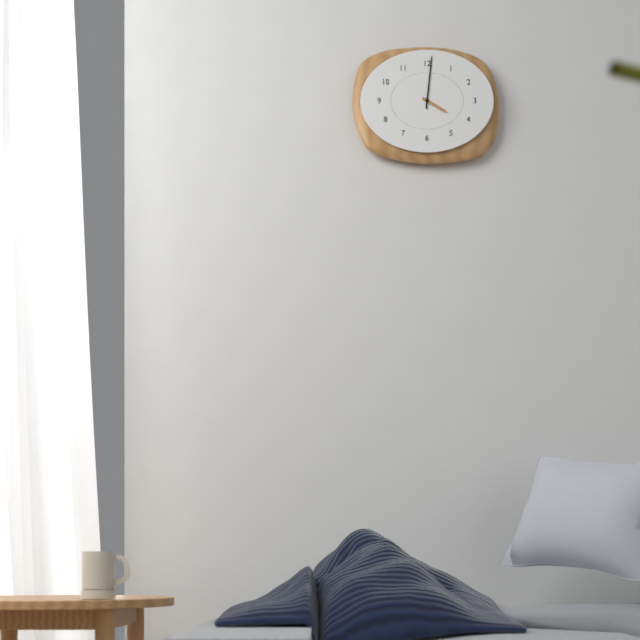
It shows 4 h 01 min
